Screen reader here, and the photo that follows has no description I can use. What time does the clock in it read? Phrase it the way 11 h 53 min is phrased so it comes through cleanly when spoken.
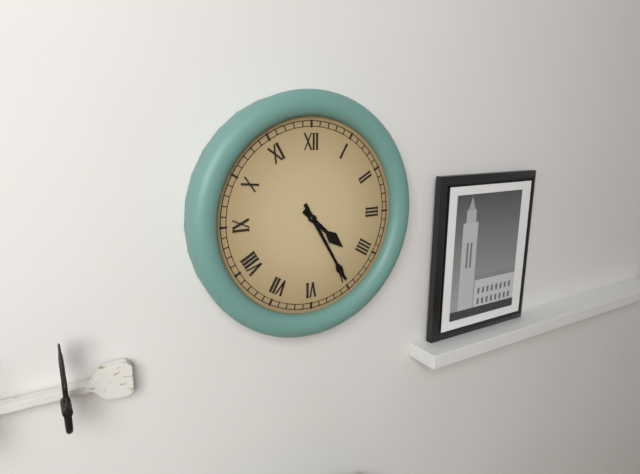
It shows 4 h 25 min
